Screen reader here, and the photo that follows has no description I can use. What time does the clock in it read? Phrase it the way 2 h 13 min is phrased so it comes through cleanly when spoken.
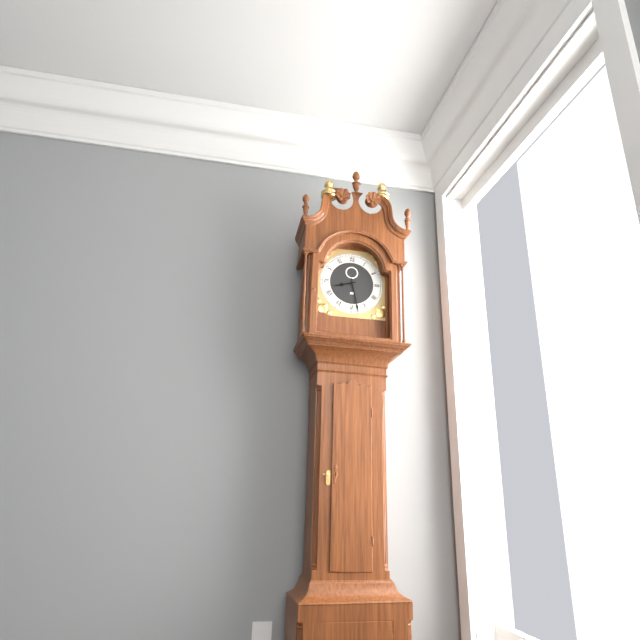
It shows 8 h 28 min
